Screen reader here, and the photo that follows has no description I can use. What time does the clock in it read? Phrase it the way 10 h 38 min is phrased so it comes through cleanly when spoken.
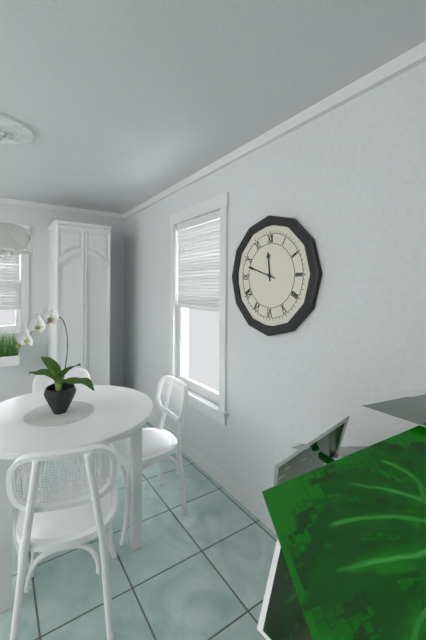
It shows 11 h 48 min
